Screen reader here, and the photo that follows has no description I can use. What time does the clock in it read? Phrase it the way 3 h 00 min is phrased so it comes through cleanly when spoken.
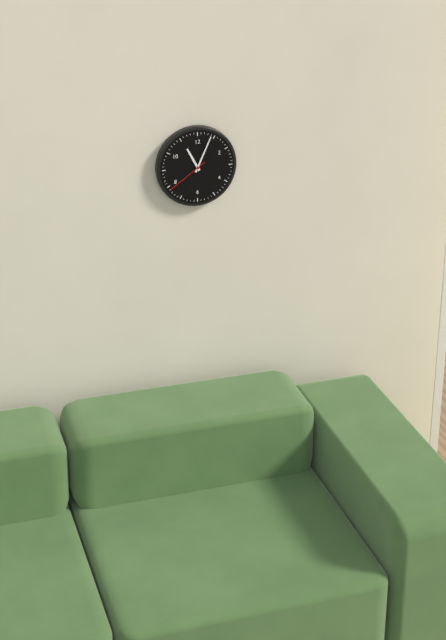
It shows 11 h 04 min
